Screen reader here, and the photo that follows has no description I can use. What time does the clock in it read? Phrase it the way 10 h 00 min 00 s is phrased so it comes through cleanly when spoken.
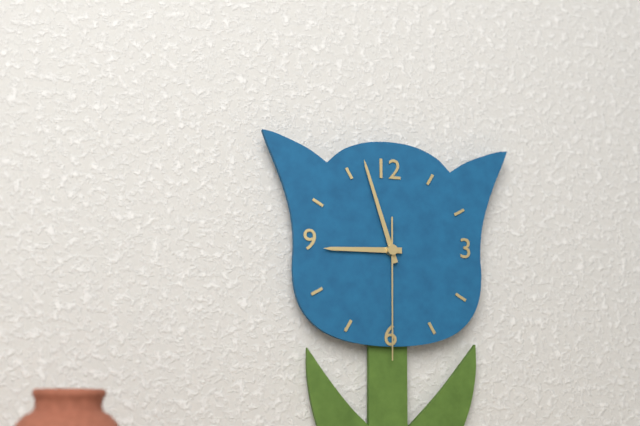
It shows 8 h 57 min 30 s
